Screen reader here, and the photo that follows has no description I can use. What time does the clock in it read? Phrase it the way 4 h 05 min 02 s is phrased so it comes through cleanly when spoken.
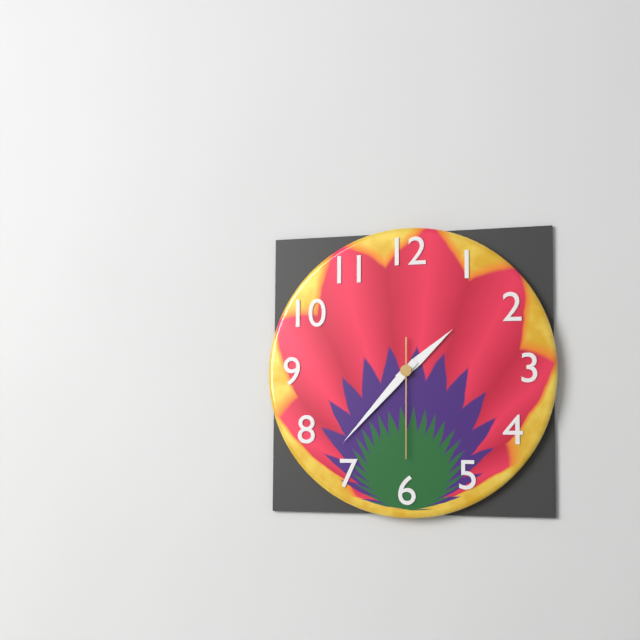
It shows 1 h 37 min 30 s
